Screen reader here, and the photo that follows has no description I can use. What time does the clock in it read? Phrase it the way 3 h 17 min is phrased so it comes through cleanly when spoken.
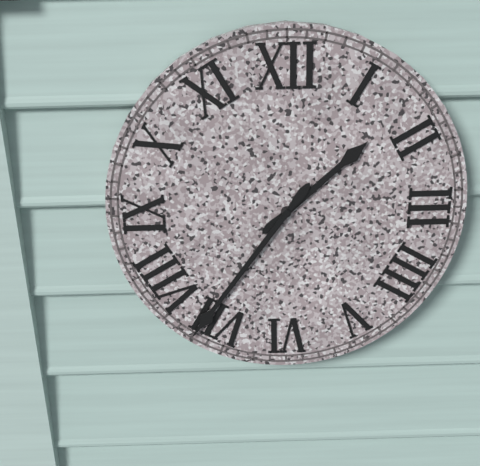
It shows 1 h 36 min
